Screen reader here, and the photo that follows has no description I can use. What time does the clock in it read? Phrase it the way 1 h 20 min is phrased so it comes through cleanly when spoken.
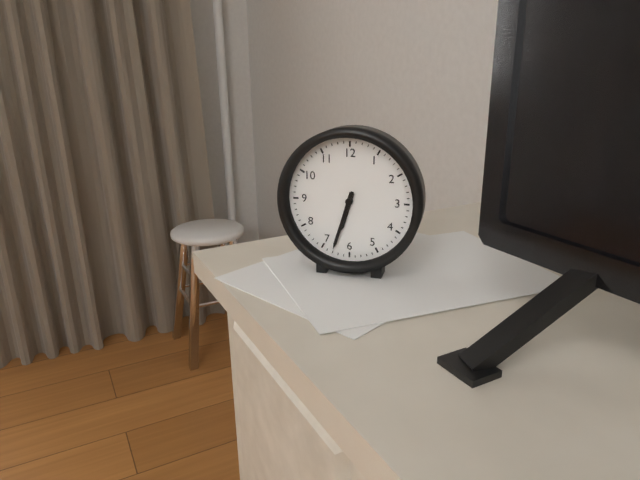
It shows 6 h 33 min
